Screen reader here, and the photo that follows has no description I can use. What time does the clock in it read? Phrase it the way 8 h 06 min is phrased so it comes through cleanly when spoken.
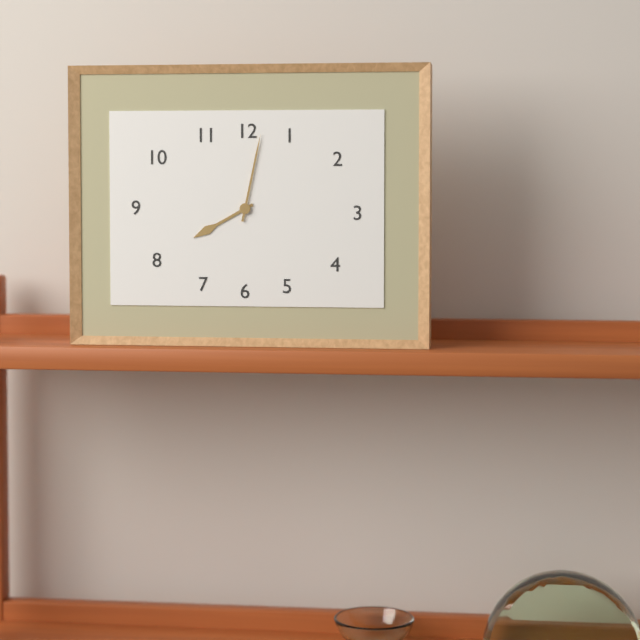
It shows 8 h 02 min
